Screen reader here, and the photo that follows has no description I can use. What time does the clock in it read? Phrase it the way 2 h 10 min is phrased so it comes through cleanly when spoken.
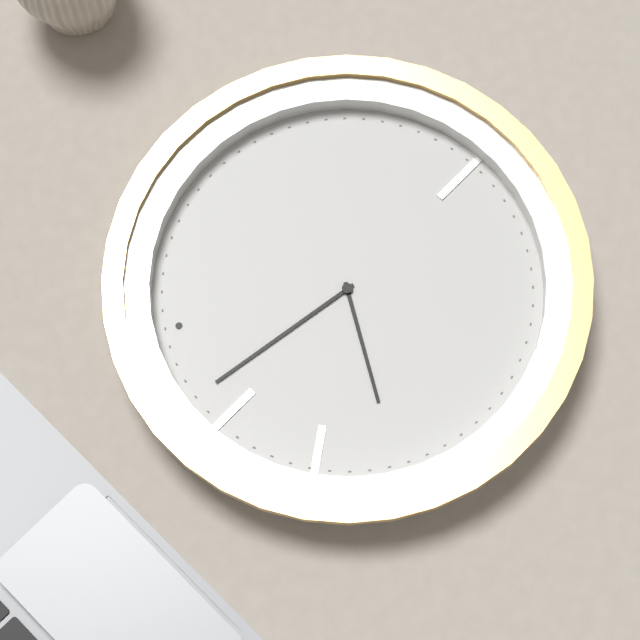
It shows 8 h 56 min
